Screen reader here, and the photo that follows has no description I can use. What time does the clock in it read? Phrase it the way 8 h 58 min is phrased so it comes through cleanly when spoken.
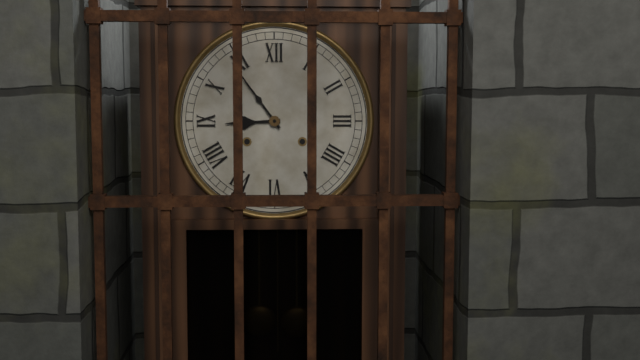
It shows 8 h 54 min
